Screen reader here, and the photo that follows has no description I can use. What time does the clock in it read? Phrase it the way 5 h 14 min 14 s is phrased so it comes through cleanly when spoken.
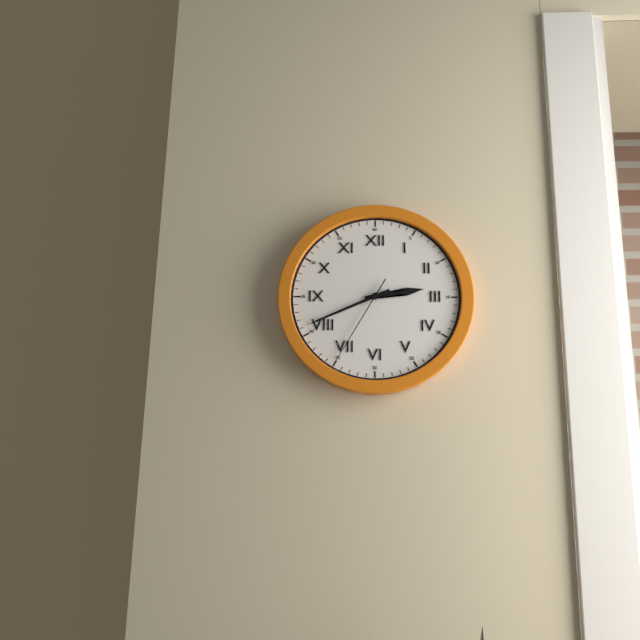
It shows 2 h 41 min 35 s
